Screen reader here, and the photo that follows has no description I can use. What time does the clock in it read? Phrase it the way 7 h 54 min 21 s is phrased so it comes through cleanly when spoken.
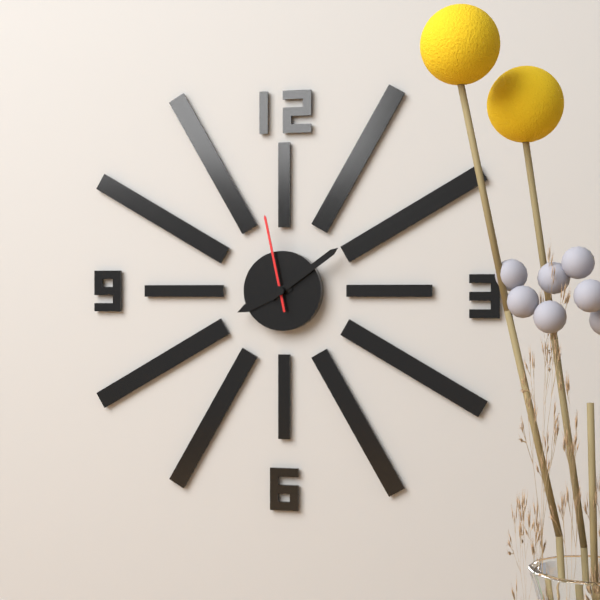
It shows 8 h 09 min 58 s
